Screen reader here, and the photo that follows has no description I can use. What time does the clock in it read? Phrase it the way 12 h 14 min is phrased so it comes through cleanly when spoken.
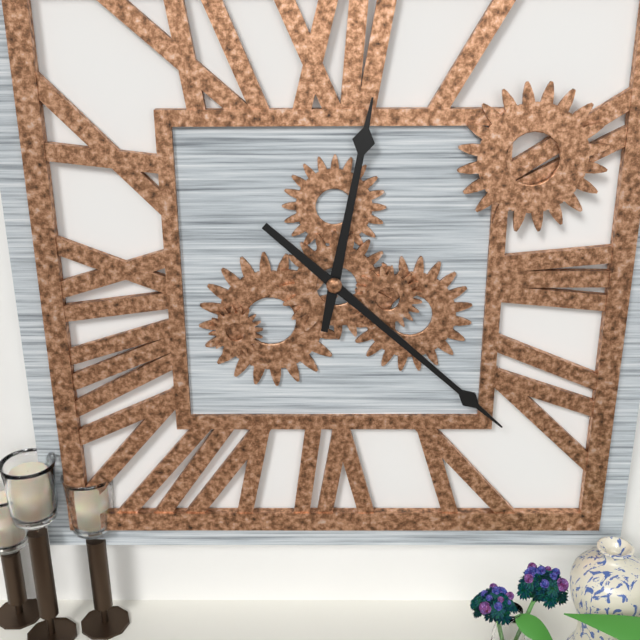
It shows 12 h 22 min
